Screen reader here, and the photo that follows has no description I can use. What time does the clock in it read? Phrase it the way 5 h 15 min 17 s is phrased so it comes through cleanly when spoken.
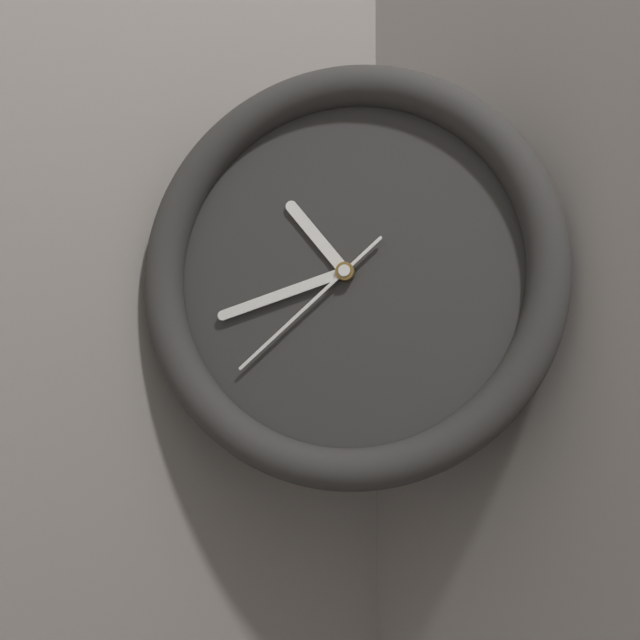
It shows 10 h 42 min 38 s
